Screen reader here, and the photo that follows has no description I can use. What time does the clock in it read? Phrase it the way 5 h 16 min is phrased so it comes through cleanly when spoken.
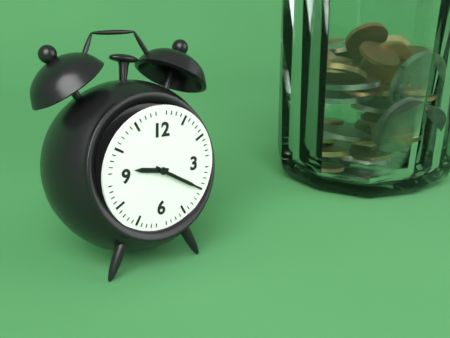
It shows 9 h 20 min
